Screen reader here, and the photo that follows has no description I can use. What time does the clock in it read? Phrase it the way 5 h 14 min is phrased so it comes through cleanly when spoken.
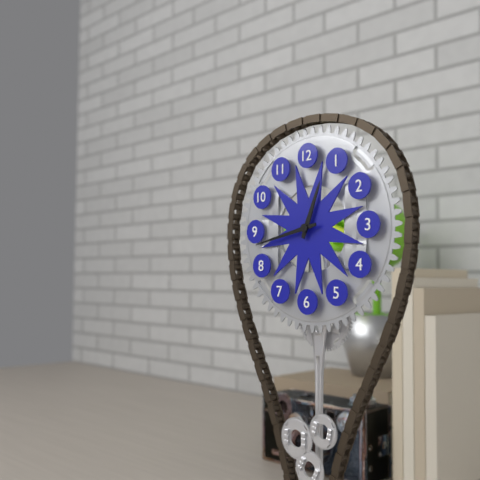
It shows 12 h 43 min
